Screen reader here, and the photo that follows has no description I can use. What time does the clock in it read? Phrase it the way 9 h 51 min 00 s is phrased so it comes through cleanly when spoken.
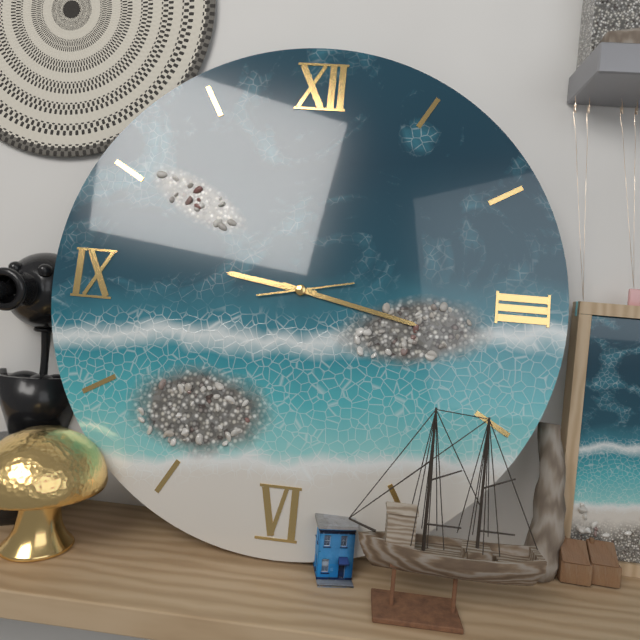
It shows 9 h 17 min 13 s
